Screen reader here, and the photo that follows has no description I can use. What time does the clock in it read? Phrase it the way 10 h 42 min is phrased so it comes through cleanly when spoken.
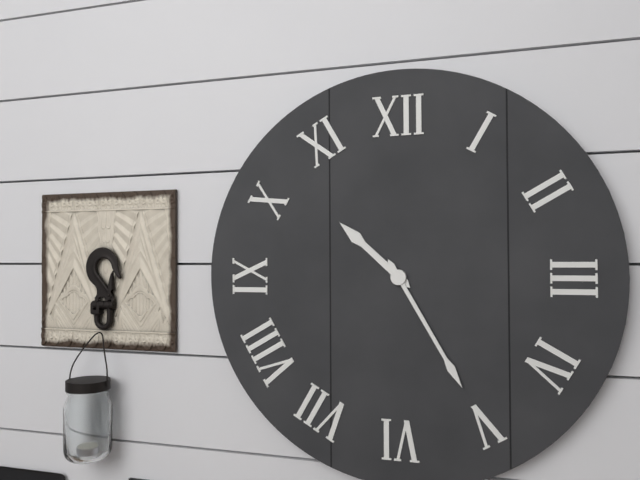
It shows 10 h 25 min
